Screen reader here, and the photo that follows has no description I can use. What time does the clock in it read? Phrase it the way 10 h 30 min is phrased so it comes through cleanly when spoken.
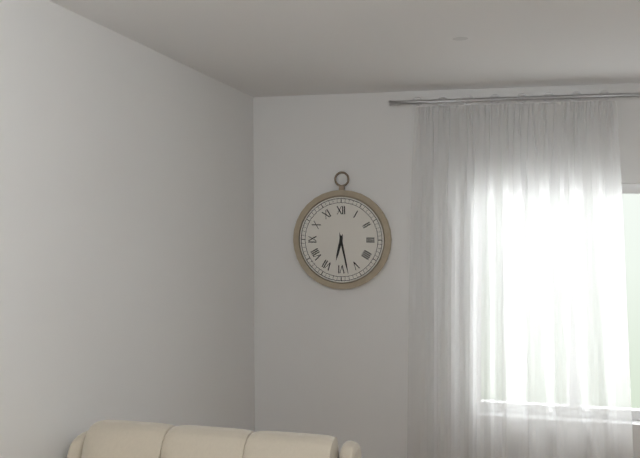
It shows 6 h 28 min
